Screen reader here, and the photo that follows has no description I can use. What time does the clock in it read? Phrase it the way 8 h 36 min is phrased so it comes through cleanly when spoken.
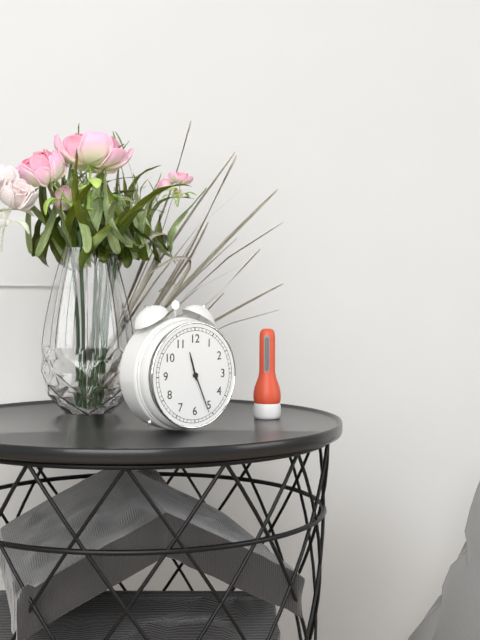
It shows 11 h 26 min
